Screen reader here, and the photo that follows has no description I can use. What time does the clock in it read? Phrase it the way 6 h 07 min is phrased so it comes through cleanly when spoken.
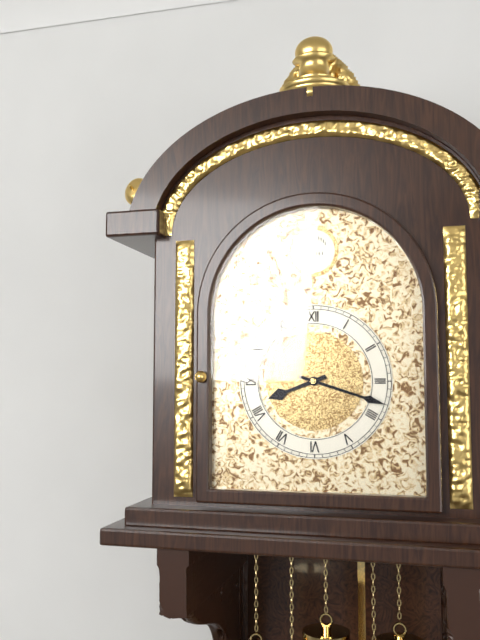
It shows 8 h 18 min
